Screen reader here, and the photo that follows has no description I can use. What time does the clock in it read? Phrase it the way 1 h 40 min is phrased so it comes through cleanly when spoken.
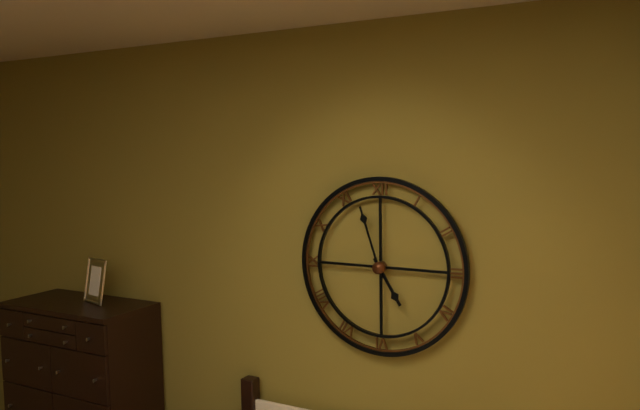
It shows 4 h 57 min
